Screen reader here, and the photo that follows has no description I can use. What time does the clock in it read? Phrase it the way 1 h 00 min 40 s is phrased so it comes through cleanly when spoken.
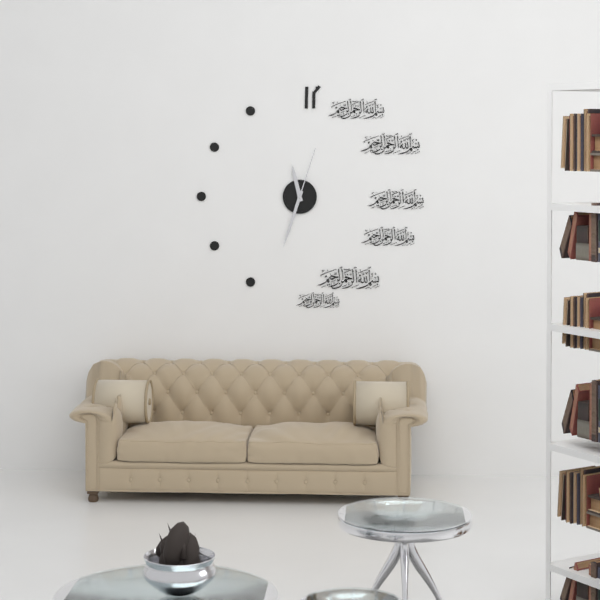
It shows 11 h 33 min 03 s
